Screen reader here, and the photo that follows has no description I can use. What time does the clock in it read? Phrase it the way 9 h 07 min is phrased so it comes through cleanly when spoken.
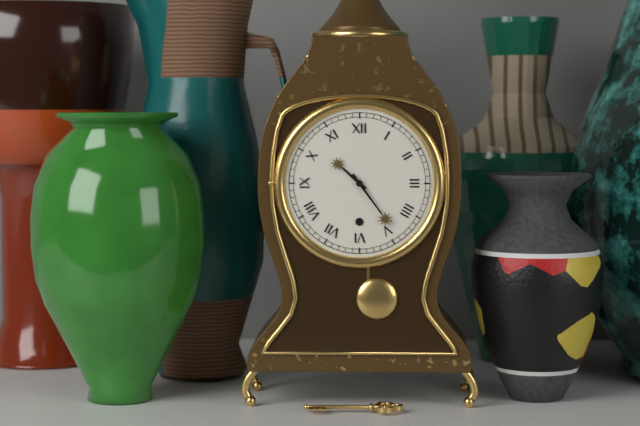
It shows 10 h 24 min
